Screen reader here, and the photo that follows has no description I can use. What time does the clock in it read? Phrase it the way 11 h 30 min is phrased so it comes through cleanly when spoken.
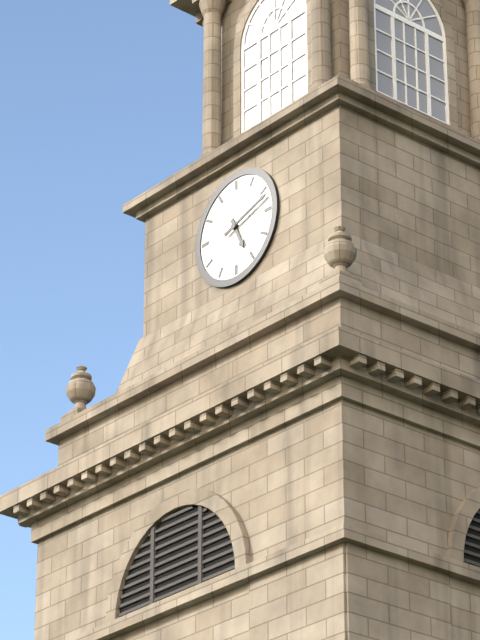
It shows 5 h 12 min
